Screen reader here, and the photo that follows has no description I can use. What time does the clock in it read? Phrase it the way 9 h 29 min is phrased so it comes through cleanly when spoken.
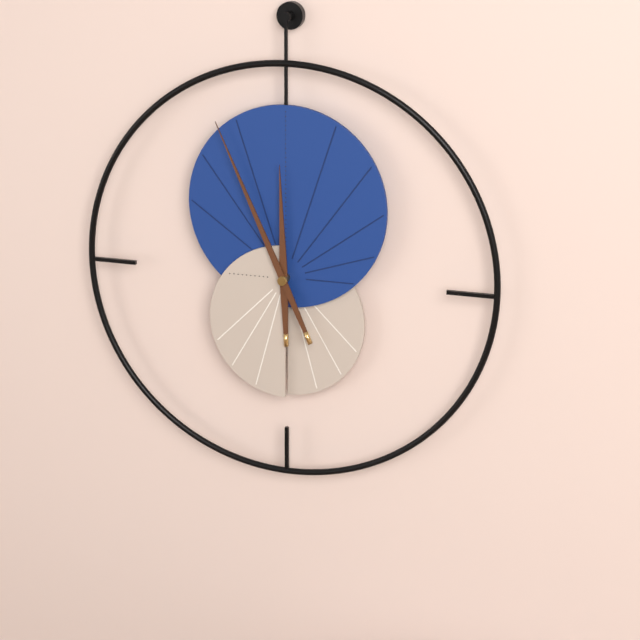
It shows 11 h 56 min
